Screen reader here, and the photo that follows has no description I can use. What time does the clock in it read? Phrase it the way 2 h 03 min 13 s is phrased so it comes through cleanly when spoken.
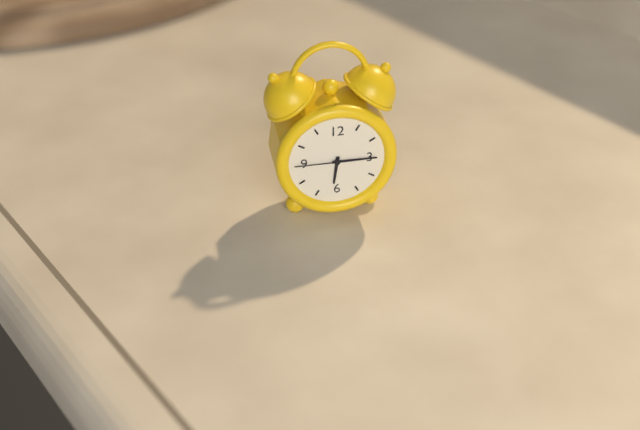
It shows 6 h 15 min 45 s
